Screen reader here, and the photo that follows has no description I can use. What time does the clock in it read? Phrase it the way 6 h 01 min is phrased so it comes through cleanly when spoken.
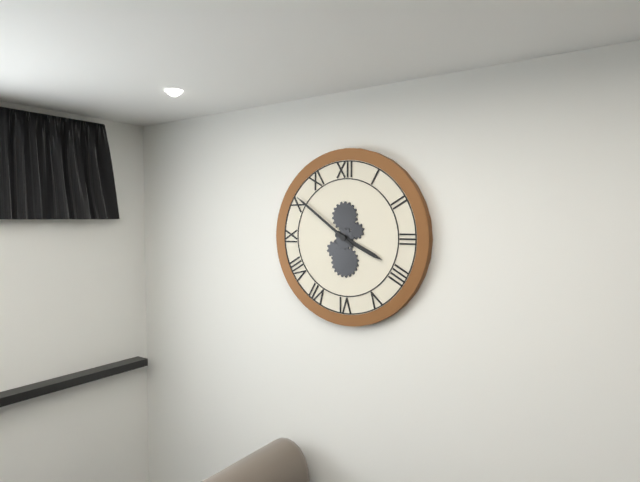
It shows 3 h 51 min
